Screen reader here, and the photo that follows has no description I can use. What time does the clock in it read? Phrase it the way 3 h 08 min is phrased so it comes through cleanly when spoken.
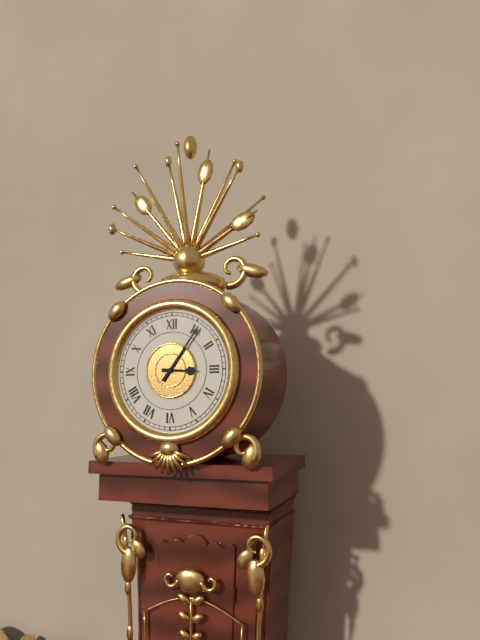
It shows 3 h 06 min
